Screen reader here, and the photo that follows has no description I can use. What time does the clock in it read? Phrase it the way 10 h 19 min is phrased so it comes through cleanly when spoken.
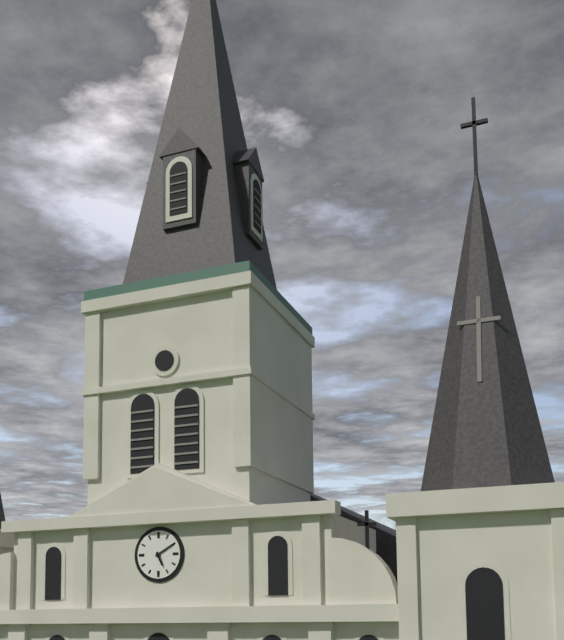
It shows 5 h 10 min
